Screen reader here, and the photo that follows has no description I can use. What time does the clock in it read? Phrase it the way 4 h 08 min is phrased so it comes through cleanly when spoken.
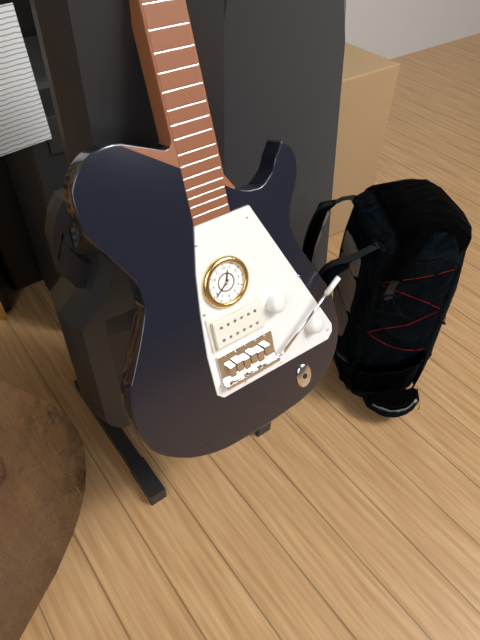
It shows 12 h 39 min
